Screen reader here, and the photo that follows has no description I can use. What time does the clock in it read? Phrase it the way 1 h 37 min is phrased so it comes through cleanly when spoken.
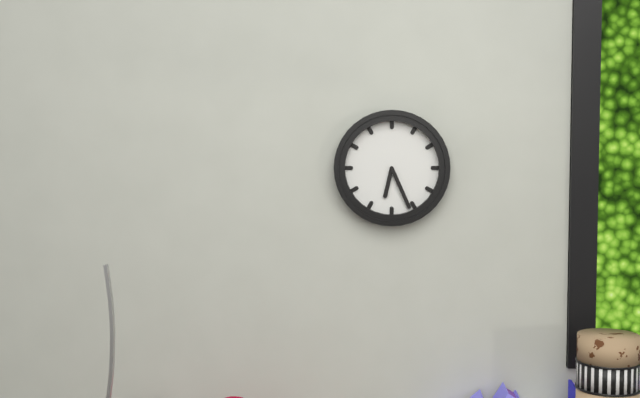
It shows 6 h 26 min
